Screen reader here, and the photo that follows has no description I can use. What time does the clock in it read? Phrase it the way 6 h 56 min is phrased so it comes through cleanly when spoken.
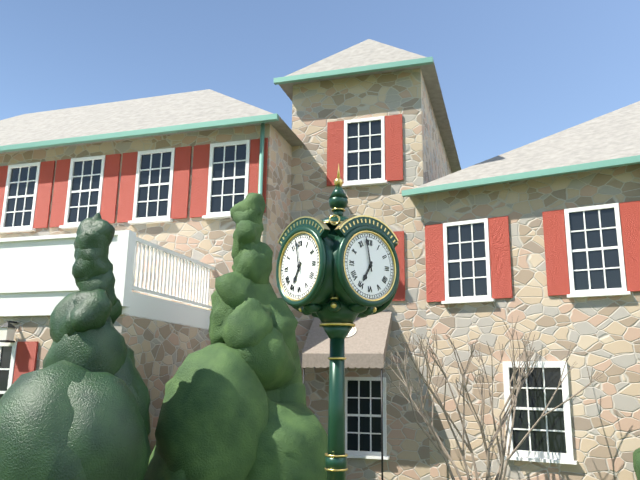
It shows 6 h 58 min
